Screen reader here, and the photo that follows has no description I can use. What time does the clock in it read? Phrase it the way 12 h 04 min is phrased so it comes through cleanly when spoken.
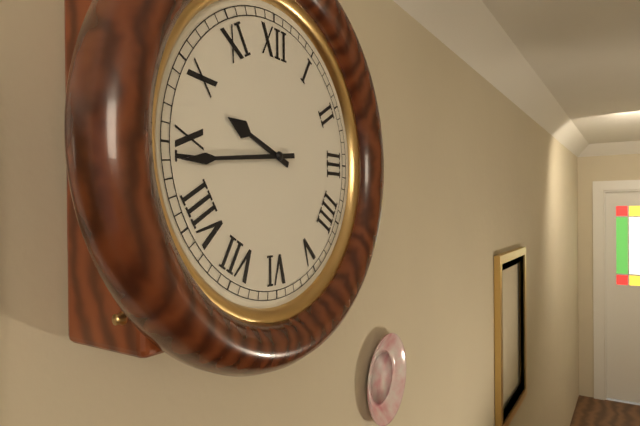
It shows 9 h 44 min
